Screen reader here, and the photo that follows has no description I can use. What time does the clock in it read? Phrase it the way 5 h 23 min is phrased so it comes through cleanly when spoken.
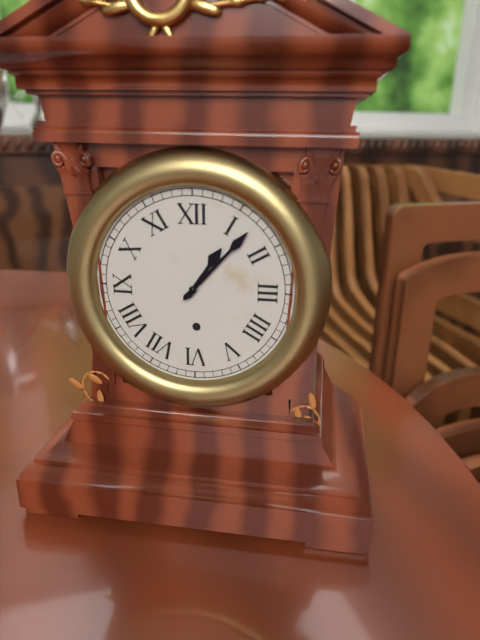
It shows 1 h 07 min
